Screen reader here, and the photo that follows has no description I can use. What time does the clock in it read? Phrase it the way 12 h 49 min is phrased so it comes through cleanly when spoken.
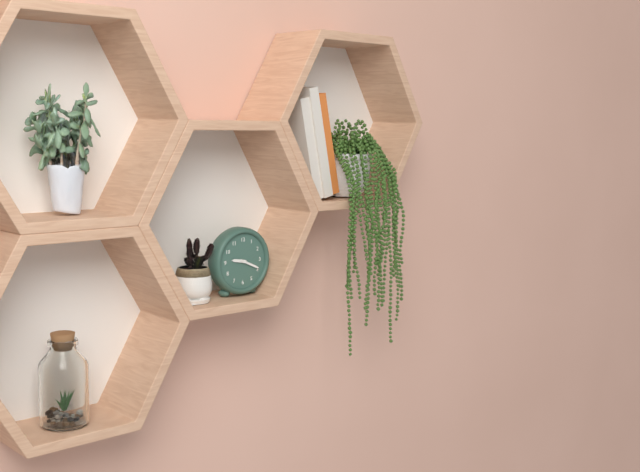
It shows 9 h 19 min
